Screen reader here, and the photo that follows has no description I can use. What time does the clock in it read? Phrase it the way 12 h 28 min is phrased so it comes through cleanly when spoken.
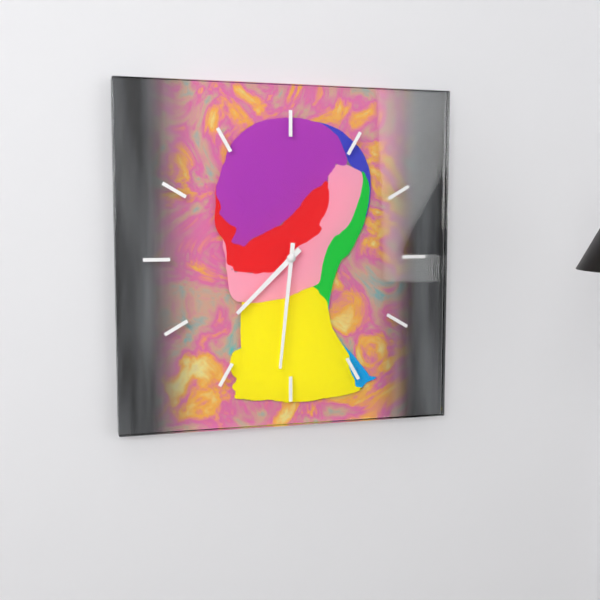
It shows 7 h 31 min
